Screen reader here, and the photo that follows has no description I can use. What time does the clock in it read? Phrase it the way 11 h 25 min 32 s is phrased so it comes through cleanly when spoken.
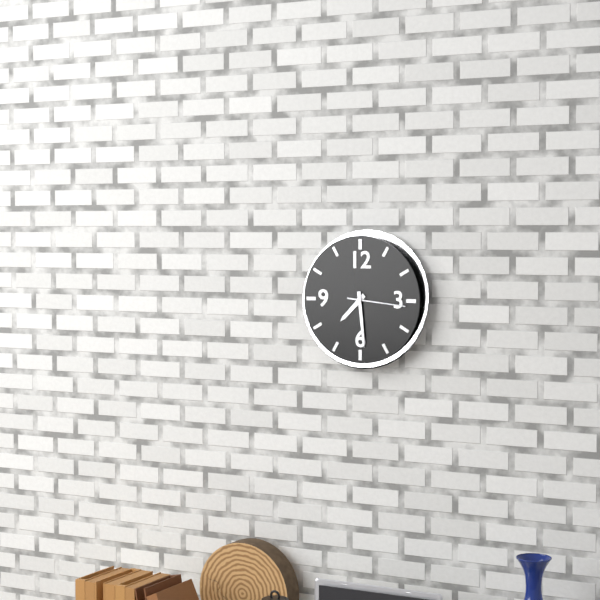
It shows 7 h 29 min 16 s
